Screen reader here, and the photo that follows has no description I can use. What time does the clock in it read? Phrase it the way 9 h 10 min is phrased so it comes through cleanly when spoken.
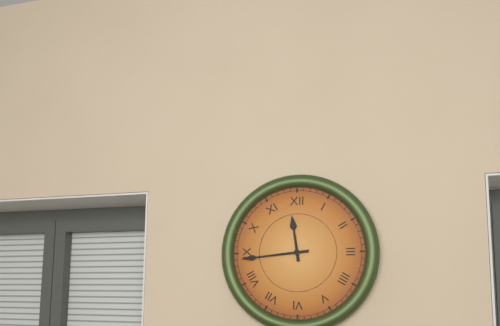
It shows 11 h 44 min
